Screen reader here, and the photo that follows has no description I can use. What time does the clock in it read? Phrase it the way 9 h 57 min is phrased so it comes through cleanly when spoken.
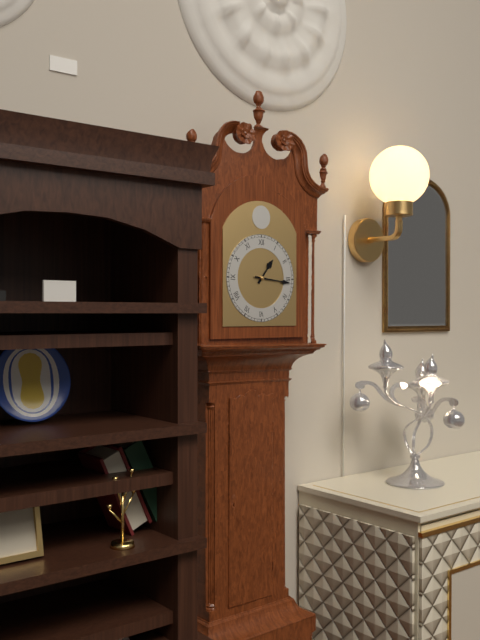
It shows 1 h 16 min
